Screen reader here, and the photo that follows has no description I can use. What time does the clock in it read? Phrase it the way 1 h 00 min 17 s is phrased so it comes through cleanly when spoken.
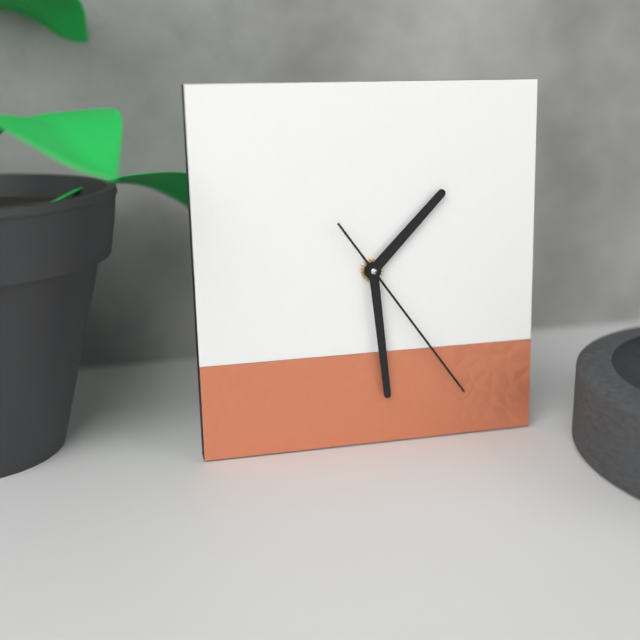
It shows 1 h 29 min 24 s
